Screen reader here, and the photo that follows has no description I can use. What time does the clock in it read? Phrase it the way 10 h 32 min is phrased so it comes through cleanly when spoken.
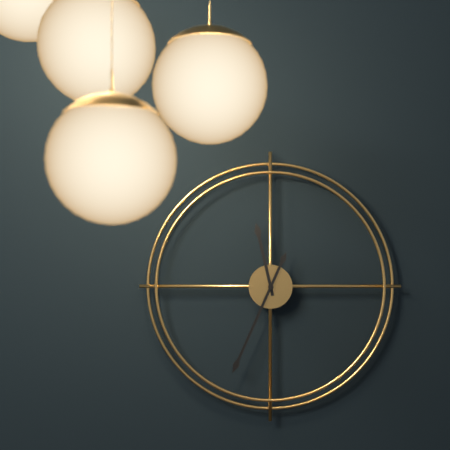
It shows 11 h 34 min
